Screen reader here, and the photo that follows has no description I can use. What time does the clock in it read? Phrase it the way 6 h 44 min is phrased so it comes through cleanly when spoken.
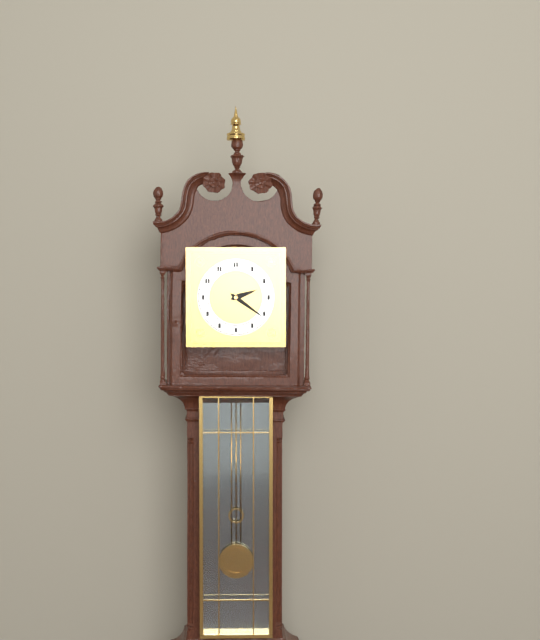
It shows 2 h 21 min
